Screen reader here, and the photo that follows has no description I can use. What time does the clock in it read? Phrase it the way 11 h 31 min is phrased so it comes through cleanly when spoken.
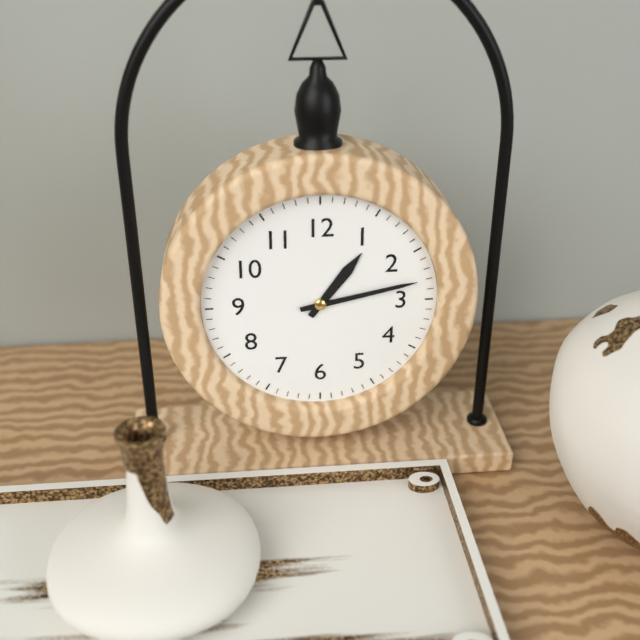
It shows 1 h 13 min
